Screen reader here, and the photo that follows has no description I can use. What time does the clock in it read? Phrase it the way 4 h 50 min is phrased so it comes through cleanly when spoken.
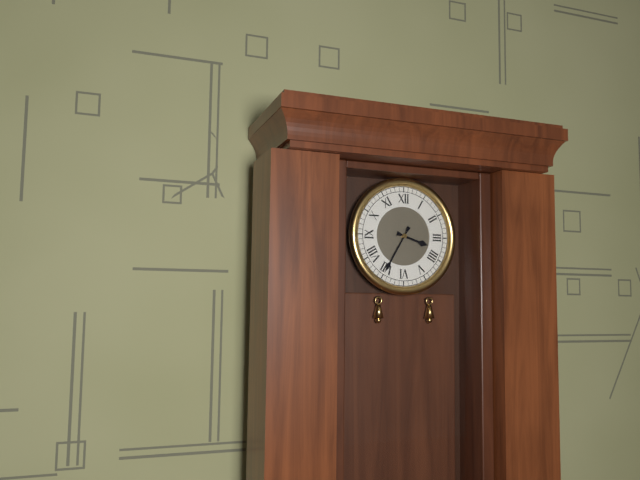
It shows 3 h 35 min
